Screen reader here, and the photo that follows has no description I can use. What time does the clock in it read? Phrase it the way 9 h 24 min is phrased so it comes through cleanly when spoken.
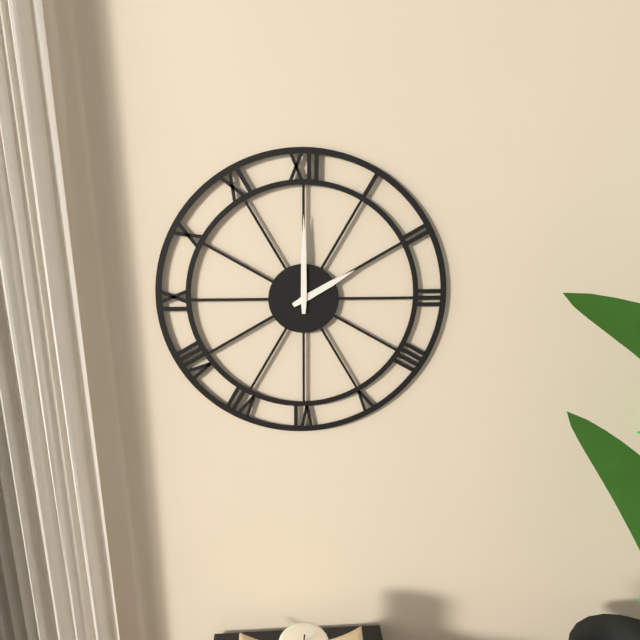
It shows 2 h 00 min
